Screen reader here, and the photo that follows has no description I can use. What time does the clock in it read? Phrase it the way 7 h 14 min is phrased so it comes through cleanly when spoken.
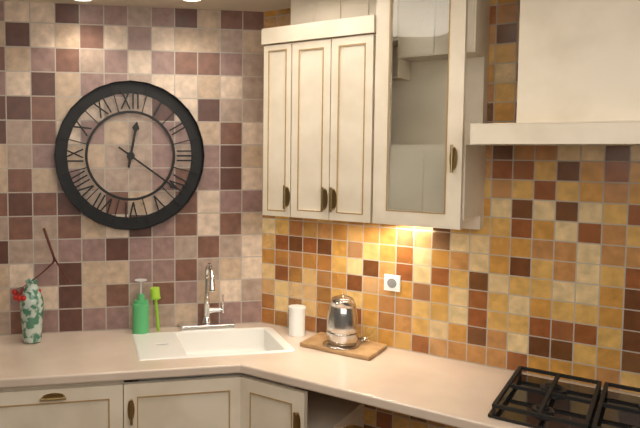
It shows 12 h 21 min
